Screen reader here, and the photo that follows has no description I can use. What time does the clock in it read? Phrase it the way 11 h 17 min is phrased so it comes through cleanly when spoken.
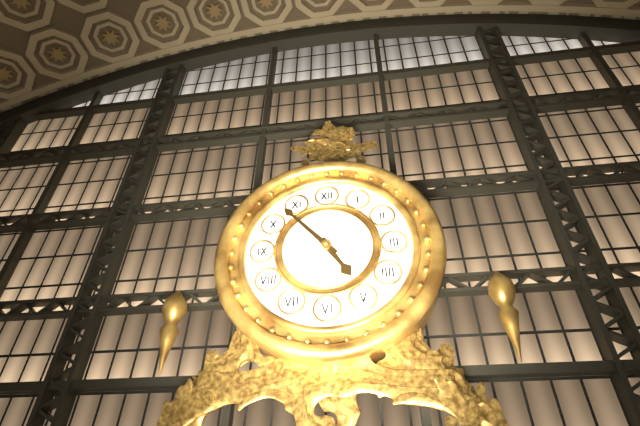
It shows 4 h 53 min
